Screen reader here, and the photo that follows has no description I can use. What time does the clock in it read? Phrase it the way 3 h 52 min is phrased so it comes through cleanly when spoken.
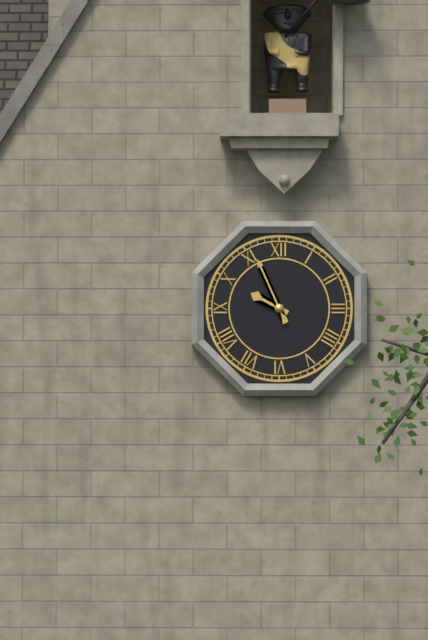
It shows 9 h 56 min
